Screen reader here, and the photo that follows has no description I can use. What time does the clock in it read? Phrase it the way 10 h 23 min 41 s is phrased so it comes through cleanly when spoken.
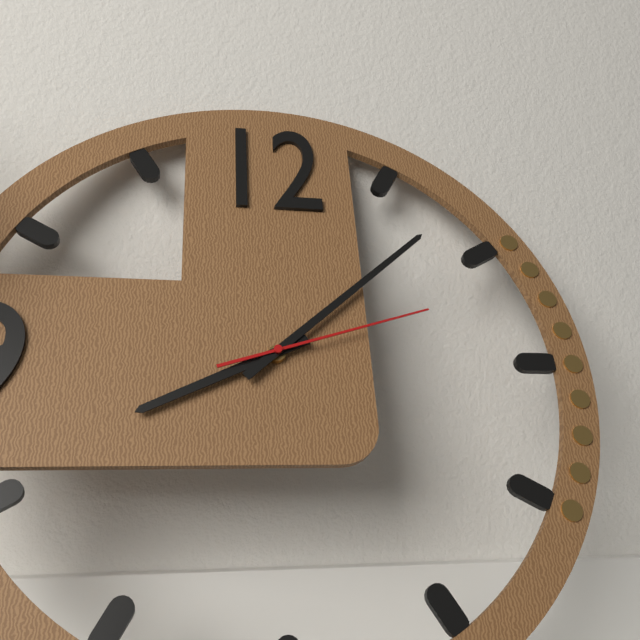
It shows 8 h 08 min 12 s
